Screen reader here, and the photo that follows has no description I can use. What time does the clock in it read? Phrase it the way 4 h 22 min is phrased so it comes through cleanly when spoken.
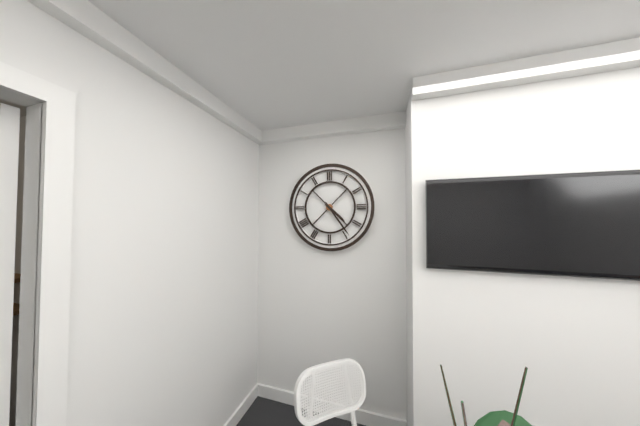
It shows 4 h 24 min
